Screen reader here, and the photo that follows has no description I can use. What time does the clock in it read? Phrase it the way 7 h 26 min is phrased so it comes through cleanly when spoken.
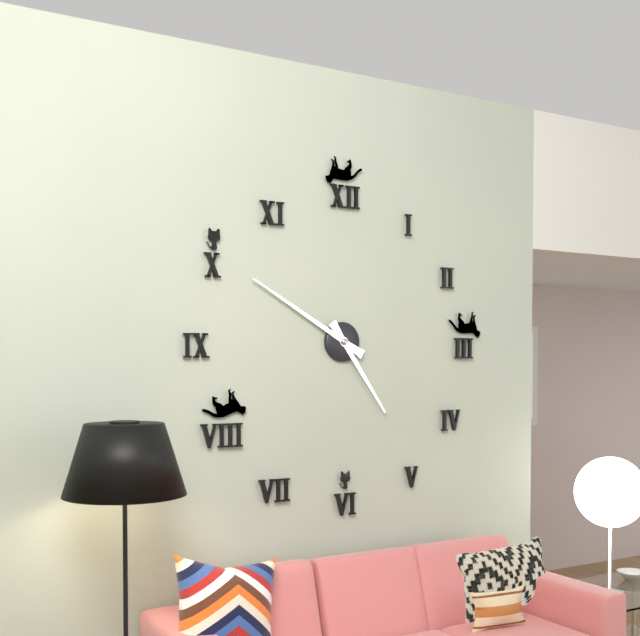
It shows 4 h 50 min
